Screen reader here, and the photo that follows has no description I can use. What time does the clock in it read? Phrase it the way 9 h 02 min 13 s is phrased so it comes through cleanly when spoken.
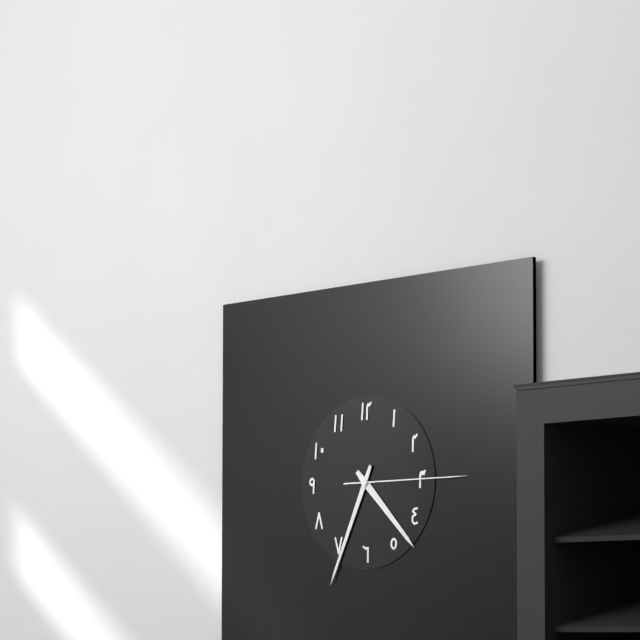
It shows 4 h 34 min 15 s
